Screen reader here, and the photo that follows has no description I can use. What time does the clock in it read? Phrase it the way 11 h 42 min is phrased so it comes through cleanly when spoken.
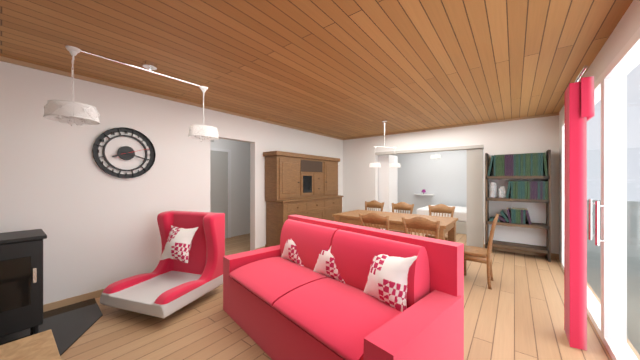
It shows 8 h 18 min
